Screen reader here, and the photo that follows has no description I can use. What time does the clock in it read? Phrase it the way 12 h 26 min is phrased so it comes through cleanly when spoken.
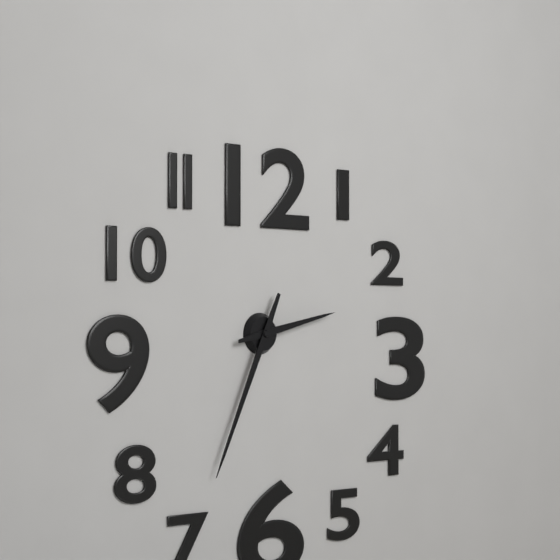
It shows 2 h 34 min
